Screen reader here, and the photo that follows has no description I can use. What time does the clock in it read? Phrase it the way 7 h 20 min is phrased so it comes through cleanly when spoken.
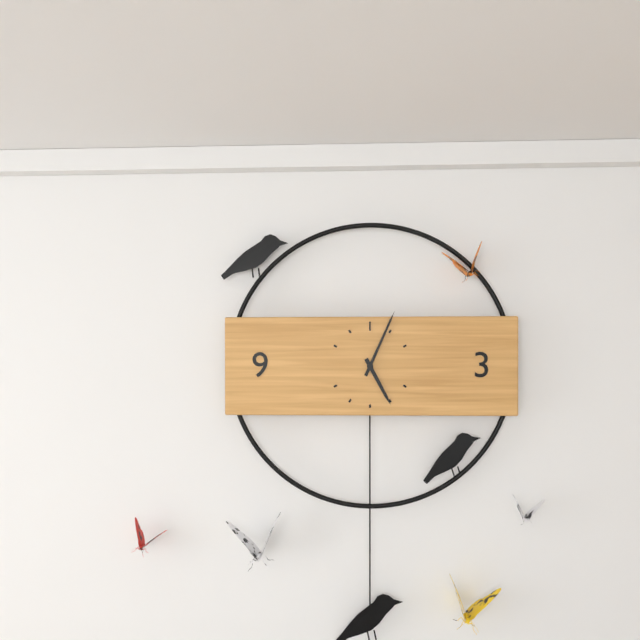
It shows 5 h 04 min
